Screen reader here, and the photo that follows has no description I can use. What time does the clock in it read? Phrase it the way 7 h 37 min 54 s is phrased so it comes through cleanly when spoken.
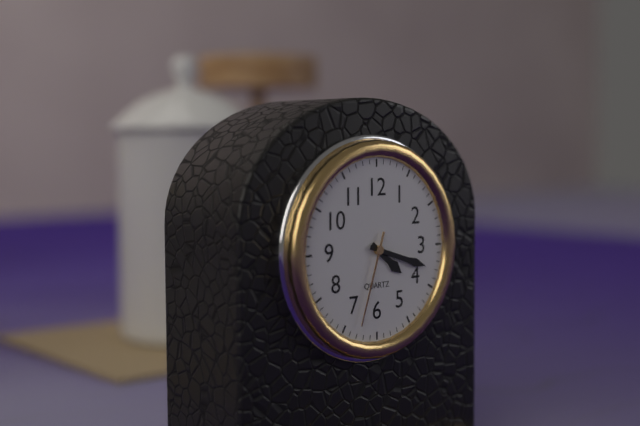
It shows 4 h 18 min 33 s
